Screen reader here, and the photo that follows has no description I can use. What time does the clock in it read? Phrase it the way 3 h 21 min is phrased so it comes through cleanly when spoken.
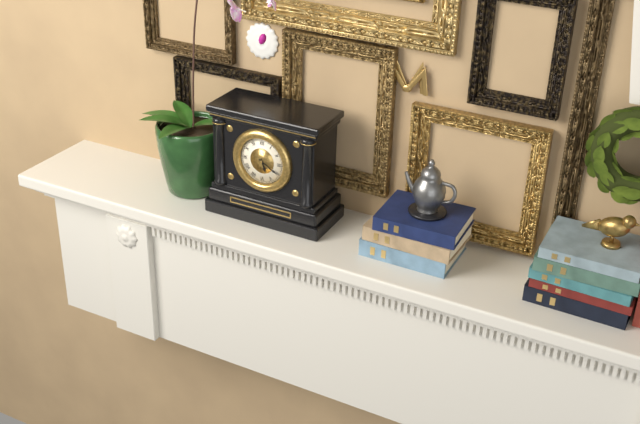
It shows 5 h 20 min
